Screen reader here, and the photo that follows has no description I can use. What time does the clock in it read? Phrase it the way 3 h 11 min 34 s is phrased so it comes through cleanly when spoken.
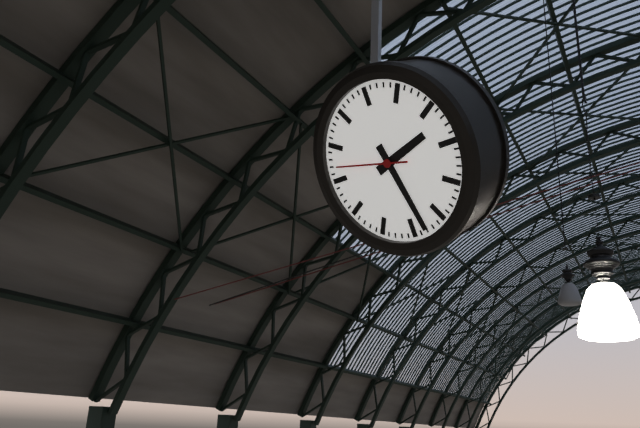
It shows 2 h 28 min 47 s
